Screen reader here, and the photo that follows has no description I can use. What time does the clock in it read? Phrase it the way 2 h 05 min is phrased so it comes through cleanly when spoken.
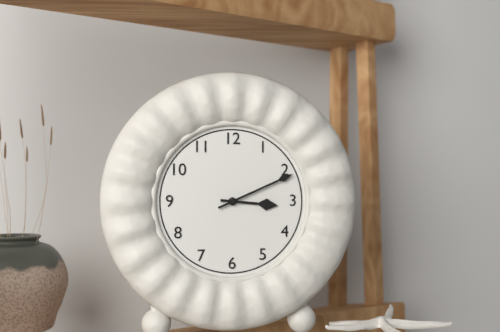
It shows 3 h 11 min
